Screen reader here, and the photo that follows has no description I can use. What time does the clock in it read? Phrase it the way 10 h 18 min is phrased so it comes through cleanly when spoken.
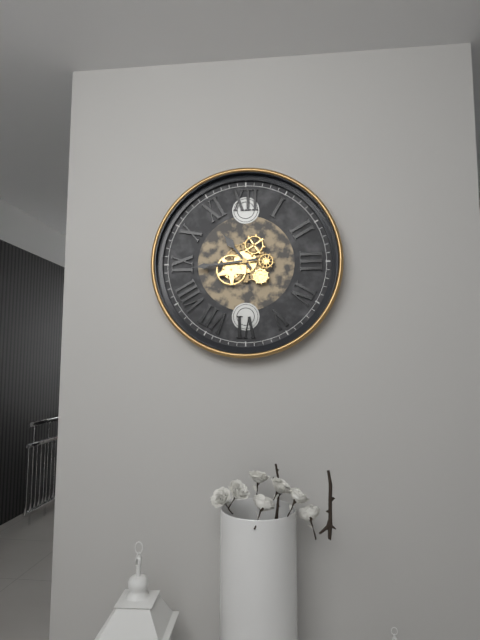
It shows 10 h 44 min
